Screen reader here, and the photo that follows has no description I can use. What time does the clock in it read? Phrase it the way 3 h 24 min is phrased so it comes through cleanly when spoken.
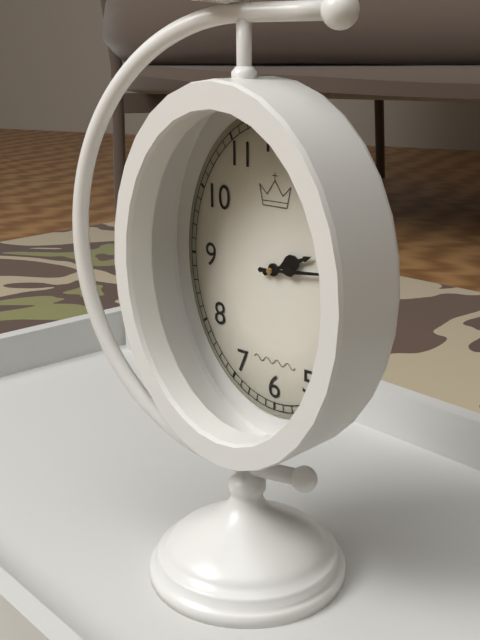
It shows 2 h 14 min
